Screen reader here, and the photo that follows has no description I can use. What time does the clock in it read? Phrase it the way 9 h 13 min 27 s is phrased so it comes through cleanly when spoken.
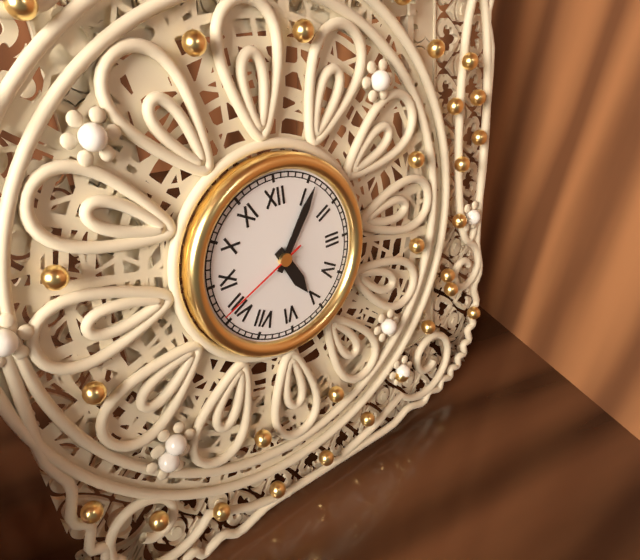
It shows 5 h 06 min 41 s
